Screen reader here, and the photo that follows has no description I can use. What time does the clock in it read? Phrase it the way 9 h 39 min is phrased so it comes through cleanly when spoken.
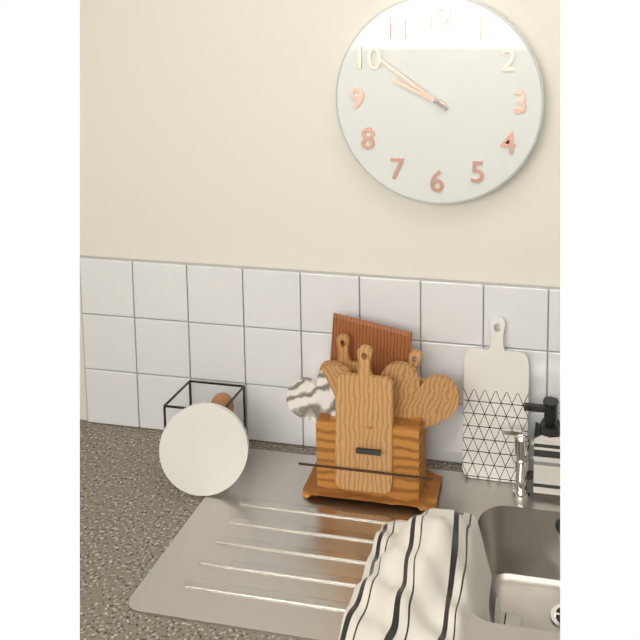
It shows 9 h 51 min
